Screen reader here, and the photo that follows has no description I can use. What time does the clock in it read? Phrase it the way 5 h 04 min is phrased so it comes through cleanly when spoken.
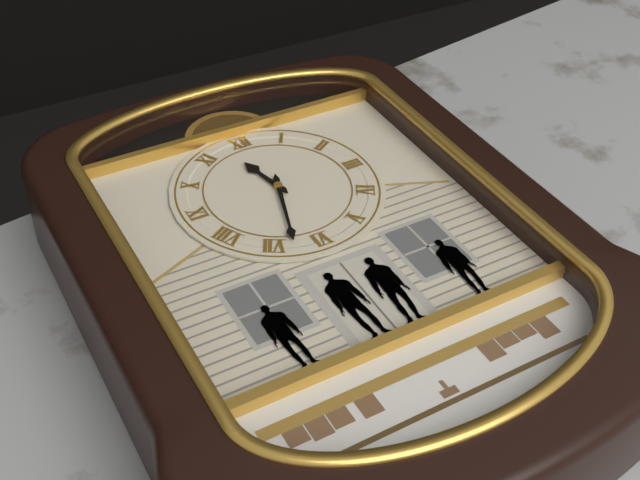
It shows 11 h 33 min
